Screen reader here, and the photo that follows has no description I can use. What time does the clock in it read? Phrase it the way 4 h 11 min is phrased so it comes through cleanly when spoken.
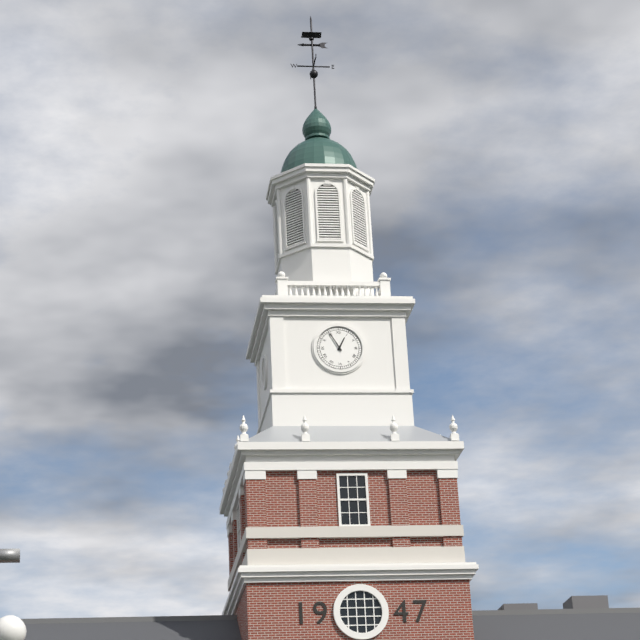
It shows 12 h 55 min
